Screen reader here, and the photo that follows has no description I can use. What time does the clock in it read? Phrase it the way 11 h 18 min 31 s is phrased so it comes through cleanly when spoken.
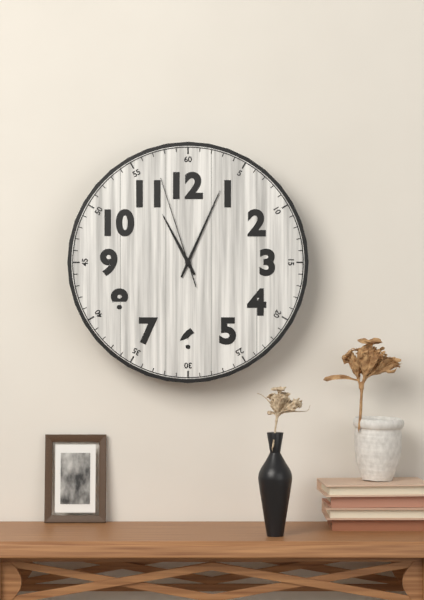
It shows 11 h 04 min 57 s
